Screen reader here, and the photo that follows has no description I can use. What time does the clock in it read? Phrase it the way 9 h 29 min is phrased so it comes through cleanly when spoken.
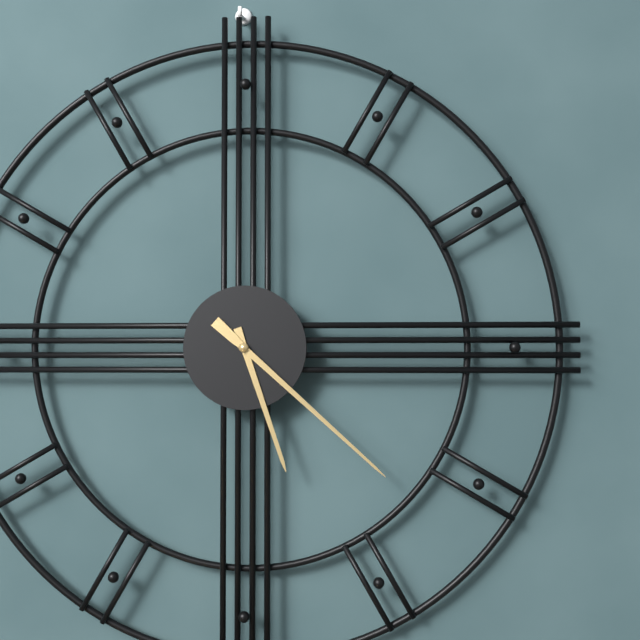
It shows 5 h 22 min
